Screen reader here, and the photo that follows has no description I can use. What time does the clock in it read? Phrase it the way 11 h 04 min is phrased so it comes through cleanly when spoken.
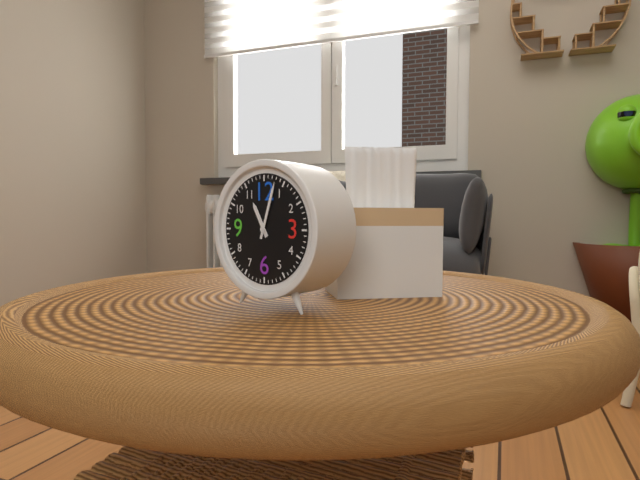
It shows 11 h 03 min
